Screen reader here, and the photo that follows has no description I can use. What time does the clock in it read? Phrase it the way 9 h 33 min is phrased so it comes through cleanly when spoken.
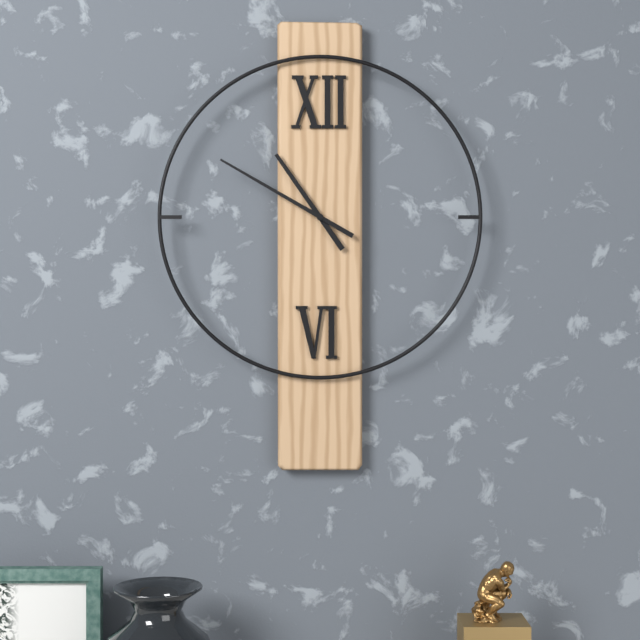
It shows 10 h 50 min
